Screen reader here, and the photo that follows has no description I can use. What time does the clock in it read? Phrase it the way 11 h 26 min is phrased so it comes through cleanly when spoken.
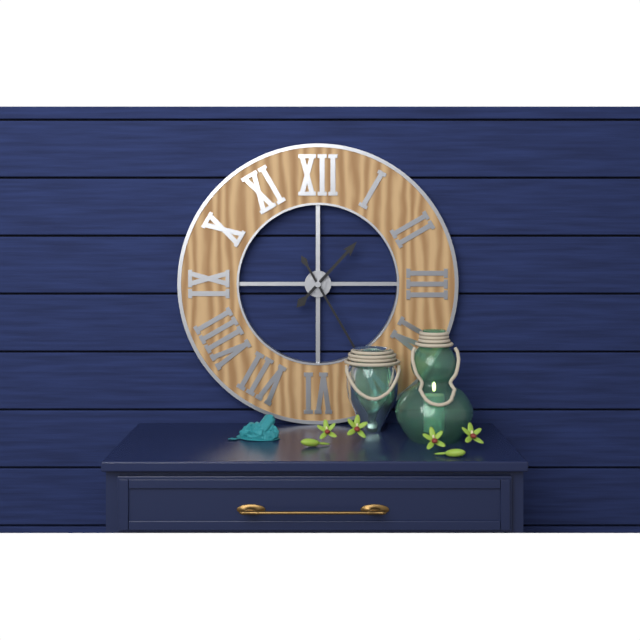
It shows 1 h 25 min
